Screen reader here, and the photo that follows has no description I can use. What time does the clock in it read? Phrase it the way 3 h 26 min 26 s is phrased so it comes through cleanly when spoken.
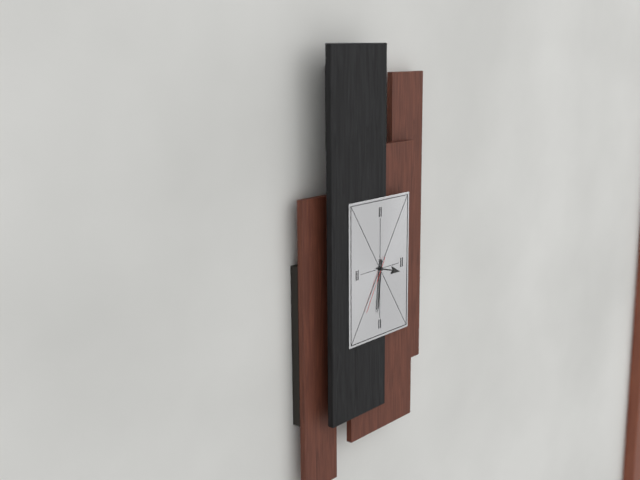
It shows 3 h 31 min 35 s
